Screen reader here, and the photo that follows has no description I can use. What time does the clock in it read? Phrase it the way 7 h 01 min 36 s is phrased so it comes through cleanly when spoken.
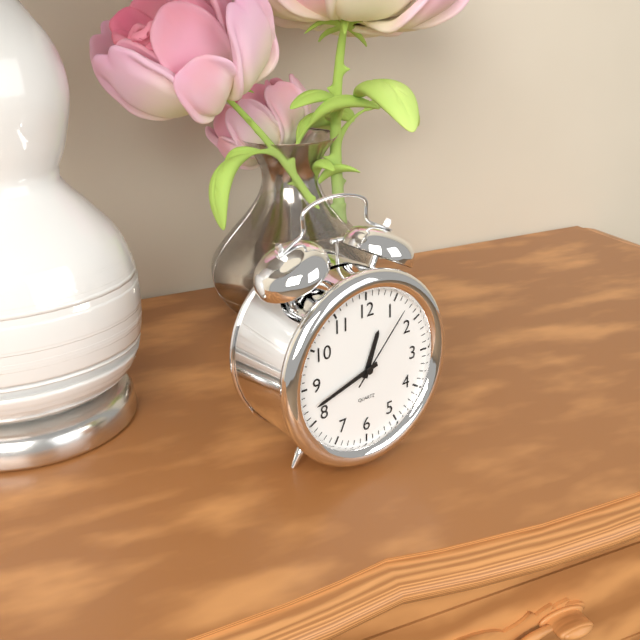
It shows 12 h 42 min 07 s
